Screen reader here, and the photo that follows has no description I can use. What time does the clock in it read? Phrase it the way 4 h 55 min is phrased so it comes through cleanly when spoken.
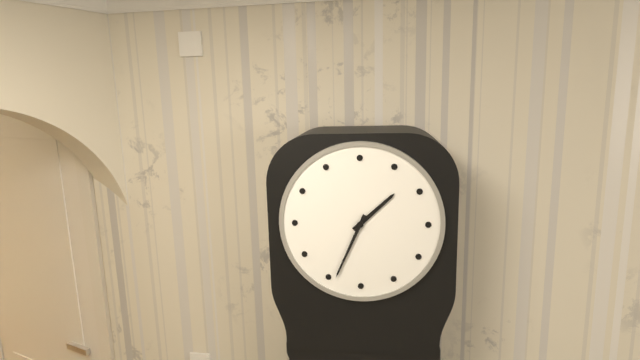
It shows 1 h 34 min
